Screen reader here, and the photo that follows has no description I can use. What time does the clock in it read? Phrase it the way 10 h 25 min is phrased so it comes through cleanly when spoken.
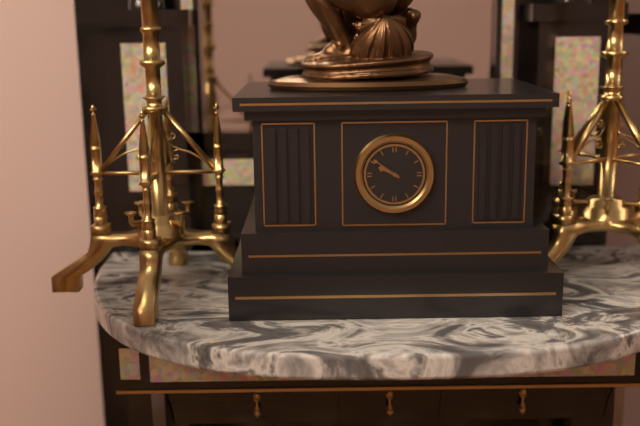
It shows 9 h 51 min
